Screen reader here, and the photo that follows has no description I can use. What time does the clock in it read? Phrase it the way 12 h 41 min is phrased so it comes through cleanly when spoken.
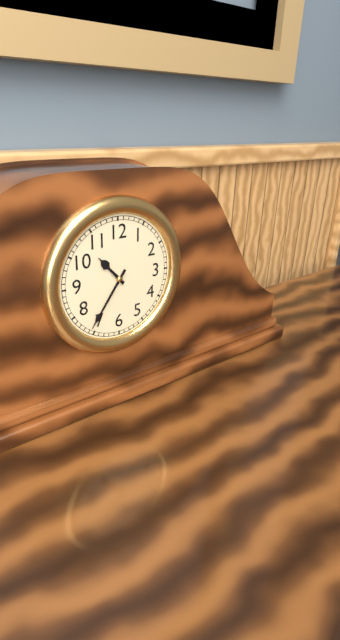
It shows 10 h 36 min
